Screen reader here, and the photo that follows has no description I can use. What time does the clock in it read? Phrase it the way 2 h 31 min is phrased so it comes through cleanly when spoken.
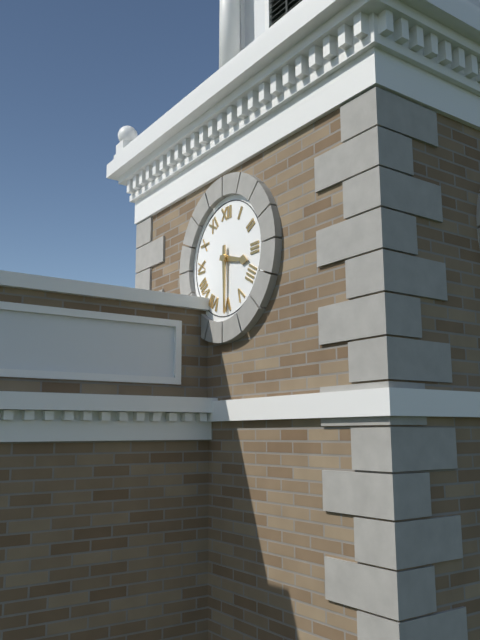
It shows 3 h 30 min
